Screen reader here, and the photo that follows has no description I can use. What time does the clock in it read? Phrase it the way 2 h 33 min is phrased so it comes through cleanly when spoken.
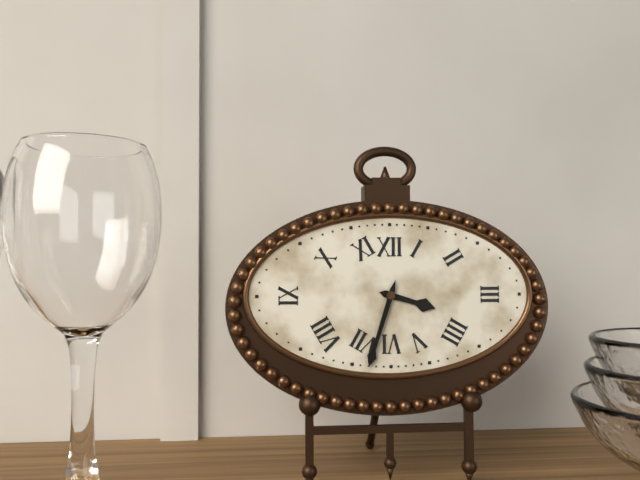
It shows 3 h 33 min
